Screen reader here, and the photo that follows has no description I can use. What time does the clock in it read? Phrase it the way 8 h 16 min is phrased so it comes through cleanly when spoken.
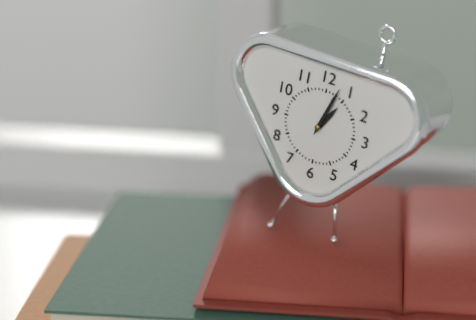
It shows 1 h 03 min
